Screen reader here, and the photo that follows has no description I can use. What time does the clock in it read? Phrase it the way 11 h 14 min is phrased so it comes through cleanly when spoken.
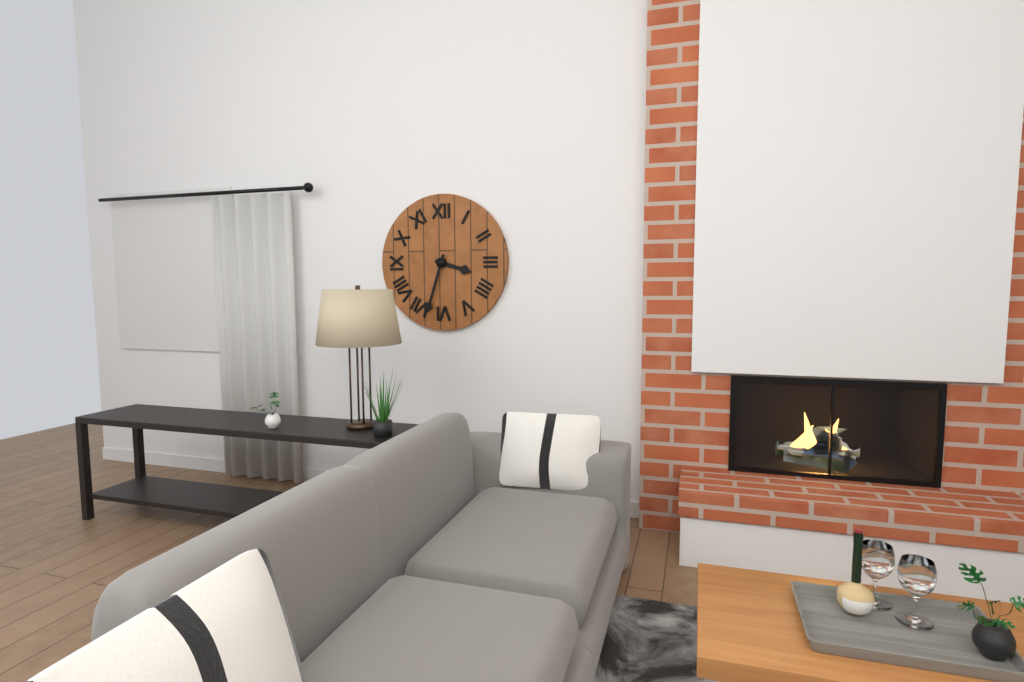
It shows 3 h 33 min
